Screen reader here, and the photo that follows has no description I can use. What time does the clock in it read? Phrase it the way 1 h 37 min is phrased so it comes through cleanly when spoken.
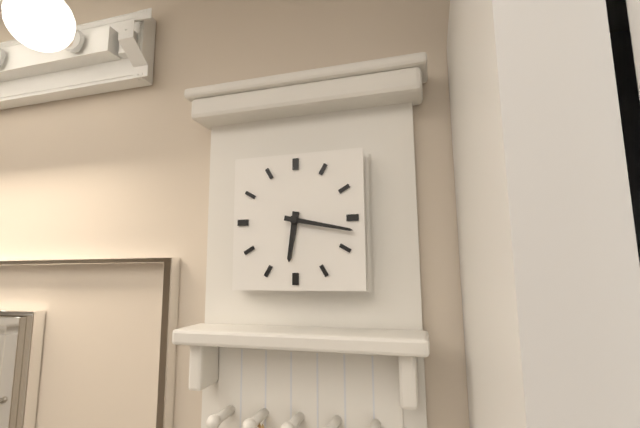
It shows 6 h 17 min
